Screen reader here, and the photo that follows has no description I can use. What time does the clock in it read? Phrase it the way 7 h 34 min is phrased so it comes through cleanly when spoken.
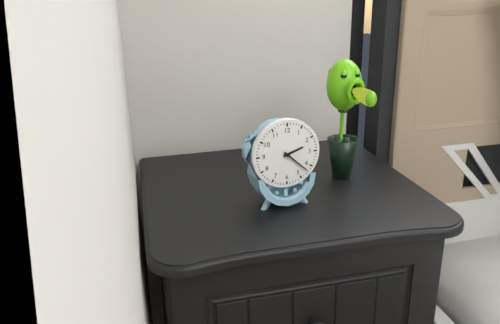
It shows 2 h 22 min
